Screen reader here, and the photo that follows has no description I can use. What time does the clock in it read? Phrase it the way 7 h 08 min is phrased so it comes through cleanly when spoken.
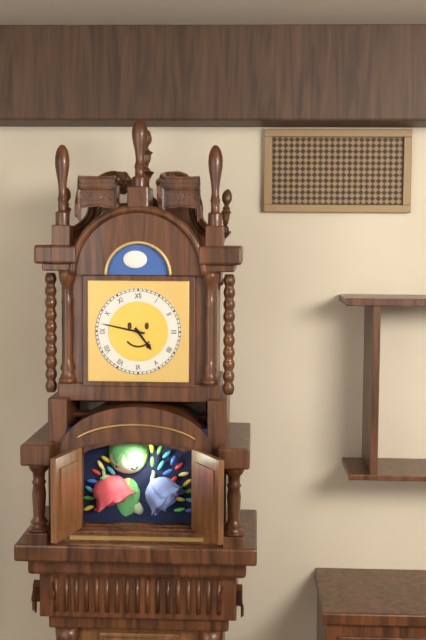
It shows 4 h 47 min
